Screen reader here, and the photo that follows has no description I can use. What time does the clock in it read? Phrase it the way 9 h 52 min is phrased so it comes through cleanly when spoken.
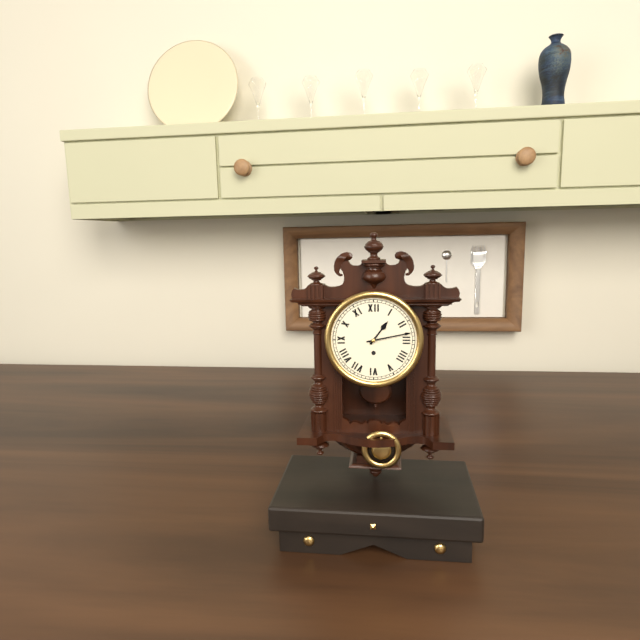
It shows 1 h 13 min
